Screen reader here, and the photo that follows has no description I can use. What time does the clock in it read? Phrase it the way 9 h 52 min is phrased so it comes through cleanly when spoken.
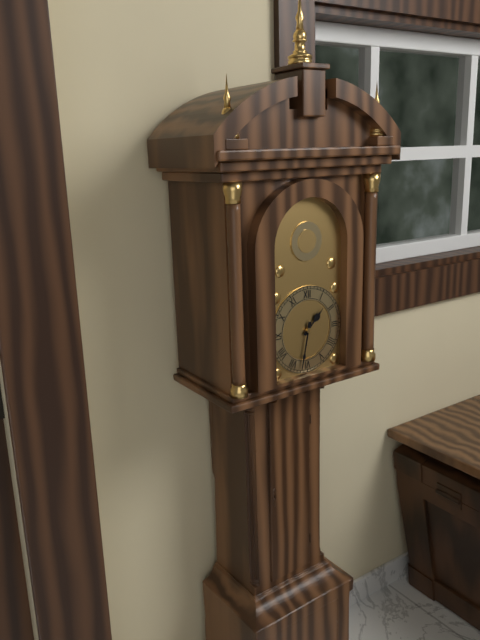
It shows 1 h 32 min
